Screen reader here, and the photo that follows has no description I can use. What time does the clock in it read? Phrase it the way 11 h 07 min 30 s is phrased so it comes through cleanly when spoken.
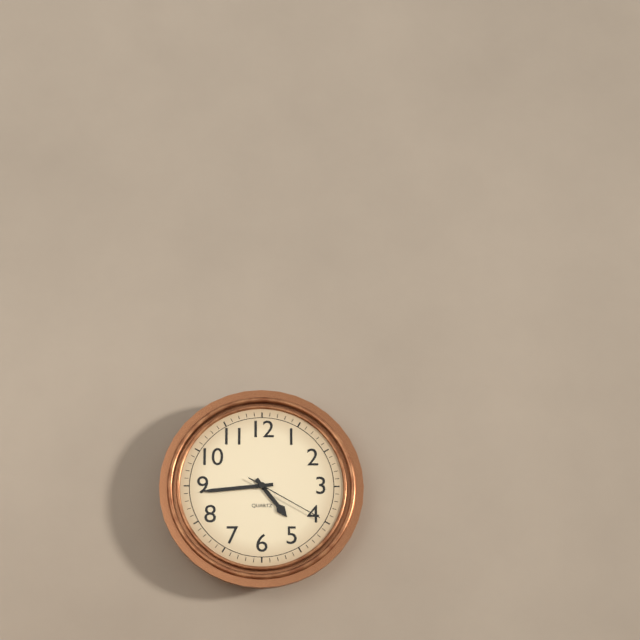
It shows 4 h 44 min 20 s
